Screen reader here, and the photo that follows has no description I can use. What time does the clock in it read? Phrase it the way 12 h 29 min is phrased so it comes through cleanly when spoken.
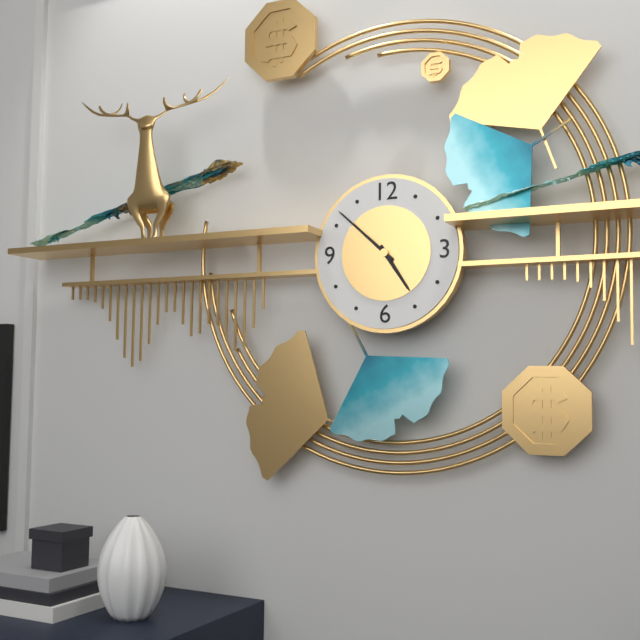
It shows 4 h 52 min
